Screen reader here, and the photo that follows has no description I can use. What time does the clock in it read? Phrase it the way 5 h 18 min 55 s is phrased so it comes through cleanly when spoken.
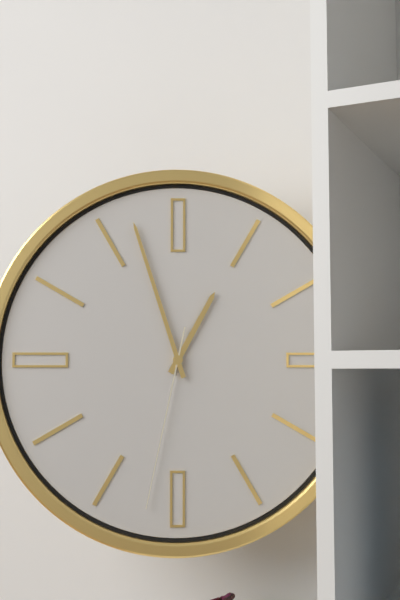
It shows 12 h 57 min 32 s
